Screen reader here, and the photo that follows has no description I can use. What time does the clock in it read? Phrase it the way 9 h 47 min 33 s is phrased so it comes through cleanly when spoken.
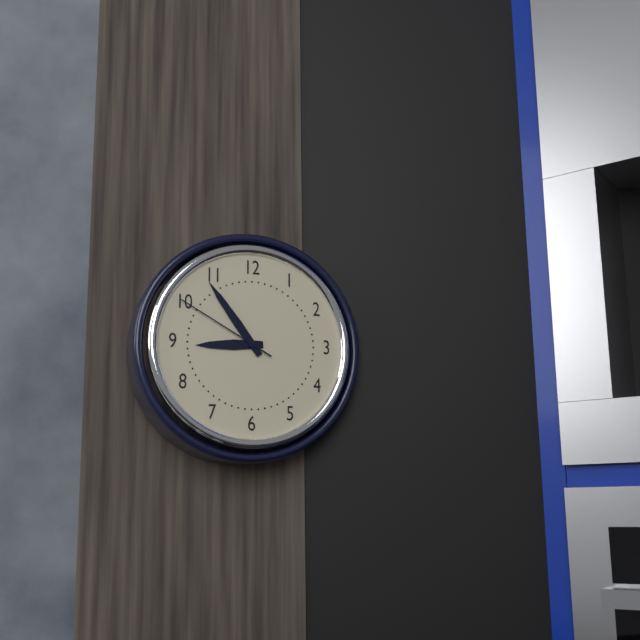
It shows 8 h 54 min 50 s
